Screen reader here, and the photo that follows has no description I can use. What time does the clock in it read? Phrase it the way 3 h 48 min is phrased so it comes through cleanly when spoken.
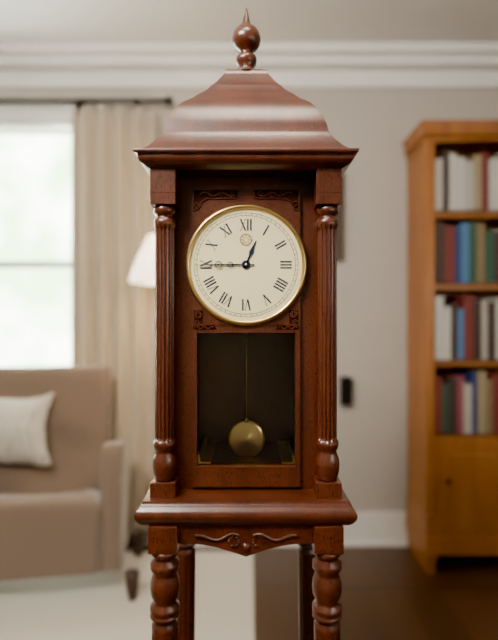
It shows 12 h 45 min
